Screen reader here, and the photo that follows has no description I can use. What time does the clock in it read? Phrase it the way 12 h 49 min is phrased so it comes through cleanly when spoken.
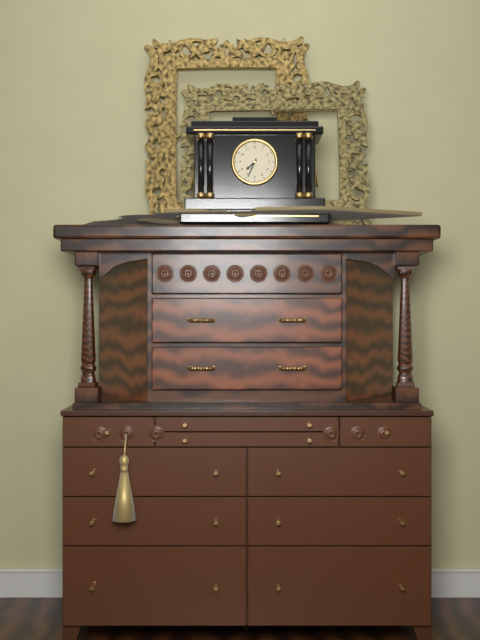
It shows 7 h 34 min
